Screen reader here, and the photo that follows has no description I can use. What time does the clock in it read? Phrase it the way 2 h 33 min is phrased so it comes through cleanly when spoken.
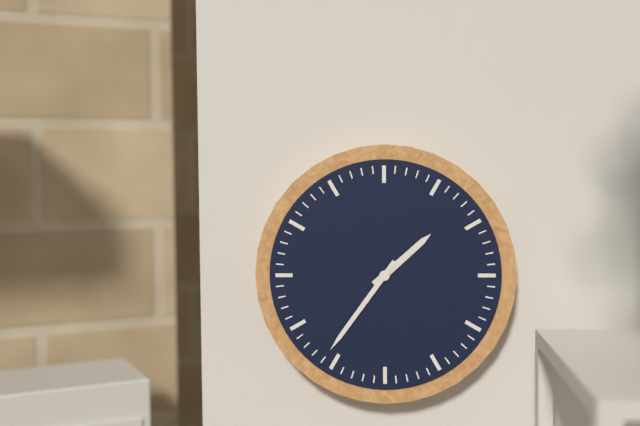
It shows 1 h 36 min
